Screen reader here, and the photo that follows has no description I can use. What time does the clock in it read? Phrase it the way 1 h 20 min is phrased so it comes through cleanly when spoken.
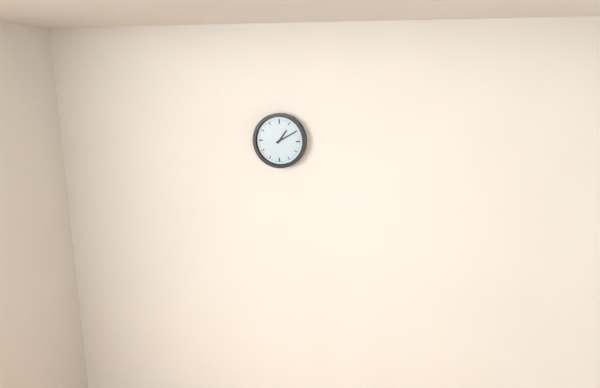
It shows 1 h 10 min
